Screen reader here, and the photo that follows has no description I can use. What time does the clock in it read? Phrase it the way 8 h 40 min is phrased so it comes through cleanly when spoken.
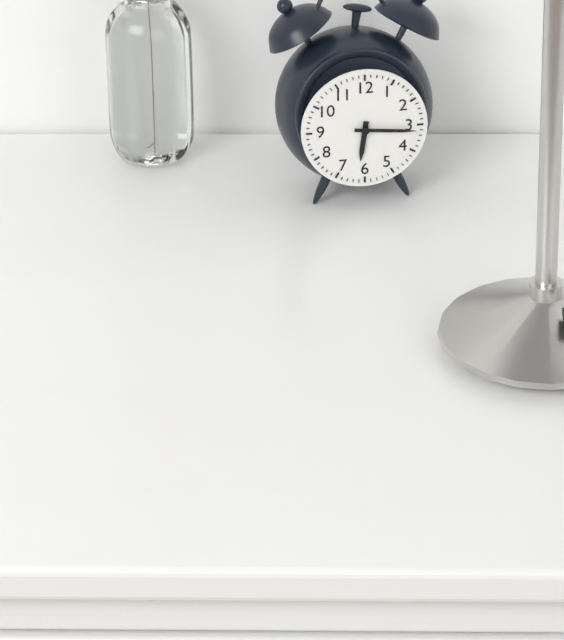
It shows 6 h 16 min
